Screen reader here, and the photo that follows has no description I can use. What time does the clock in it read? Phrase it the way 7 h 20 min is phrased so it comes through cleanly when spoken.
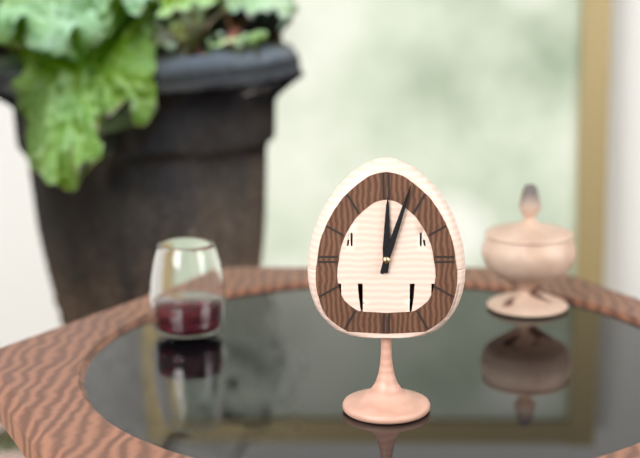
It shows 12 h 03 min
